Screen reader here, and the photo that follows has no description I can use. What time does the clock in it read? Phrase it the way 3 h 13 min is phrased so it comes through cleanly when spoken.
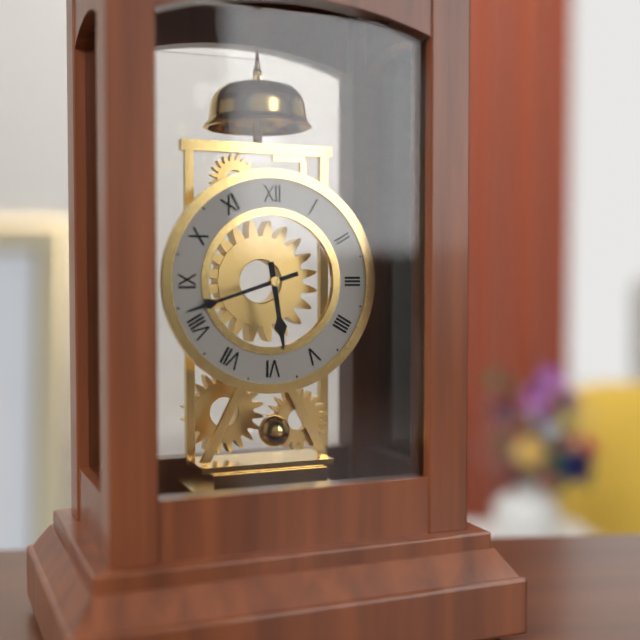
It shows 5 h 42 min
